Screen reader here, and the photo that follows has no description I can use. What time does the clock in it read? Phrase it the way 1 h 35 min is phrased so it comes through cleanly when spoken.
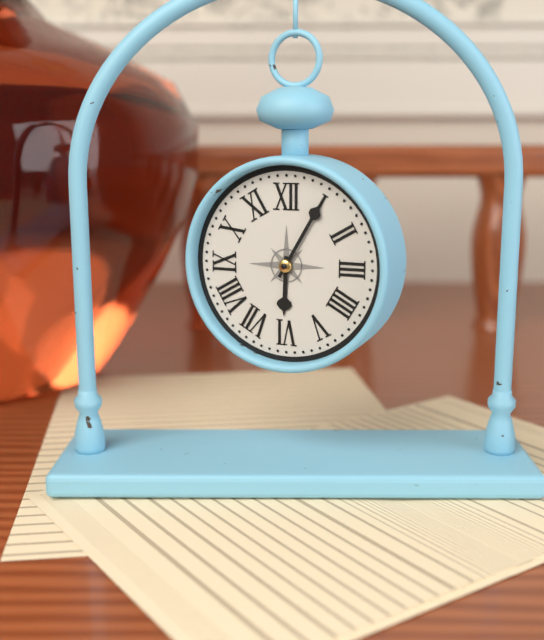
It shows 6 h 05 min
